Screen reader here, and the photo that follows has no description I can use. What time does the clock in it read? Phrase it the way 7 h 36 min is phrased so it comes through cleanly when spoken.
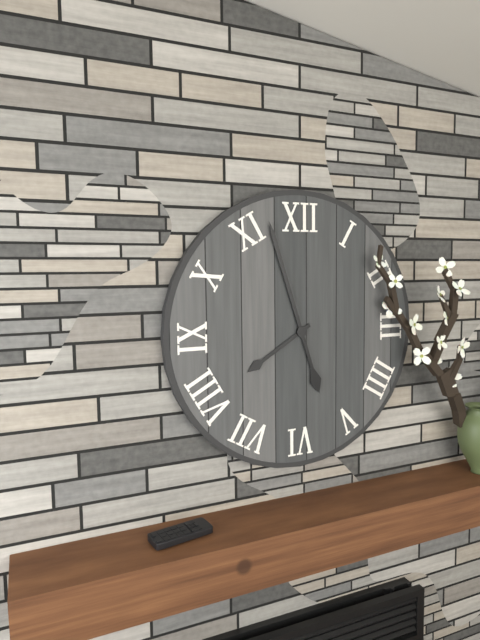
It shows 7 h 57 min
